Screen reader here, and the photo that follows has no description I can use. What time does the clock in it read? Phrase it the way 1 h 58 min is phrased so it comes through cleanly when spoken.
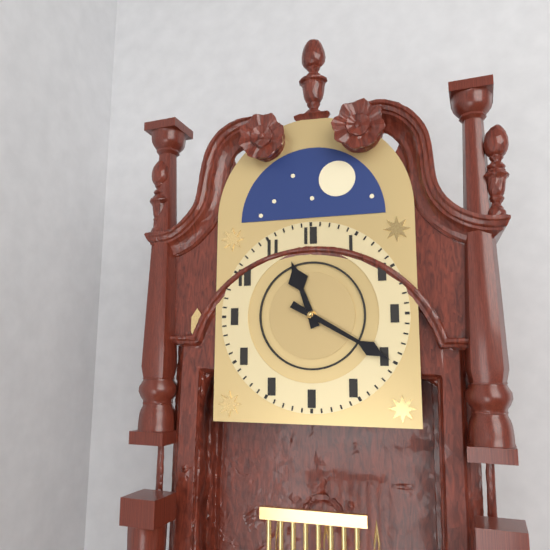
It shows 11 h 20 min
